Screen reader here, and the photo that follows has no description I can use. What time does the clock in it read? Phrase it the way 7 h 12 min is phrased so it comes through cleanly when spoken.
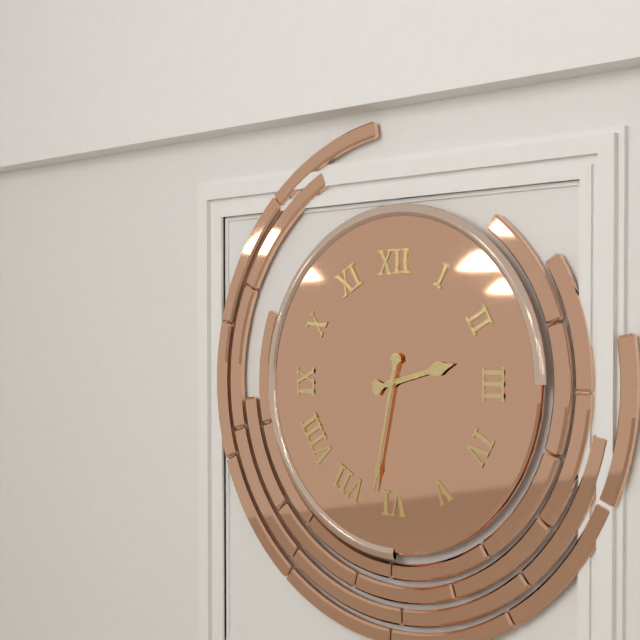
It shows 2 h 32 min
